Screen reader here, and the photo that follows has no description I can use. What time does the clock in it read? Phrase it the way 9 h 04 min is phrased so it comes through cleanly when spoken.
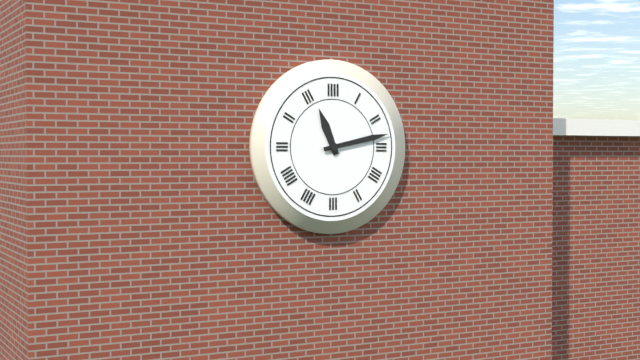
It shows 11 h 13 min
